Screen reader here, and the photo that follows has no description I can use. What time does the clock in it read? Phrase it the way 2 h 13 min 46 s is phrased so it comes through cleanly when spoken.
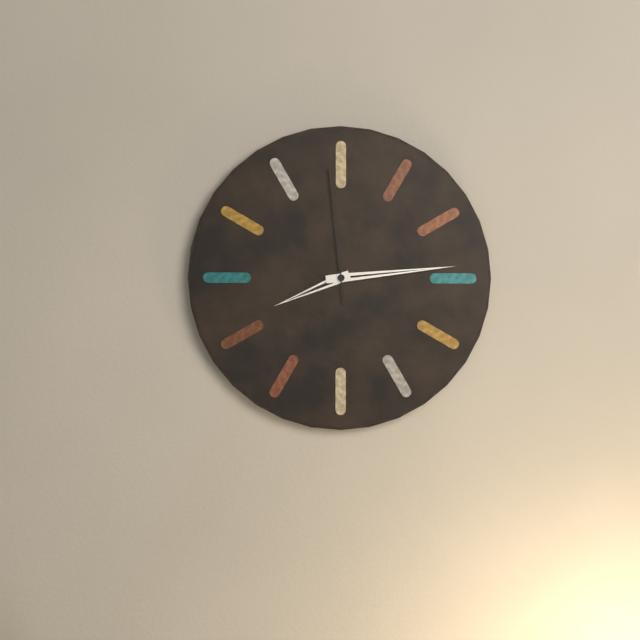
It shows 8 h 14 min 59 s
